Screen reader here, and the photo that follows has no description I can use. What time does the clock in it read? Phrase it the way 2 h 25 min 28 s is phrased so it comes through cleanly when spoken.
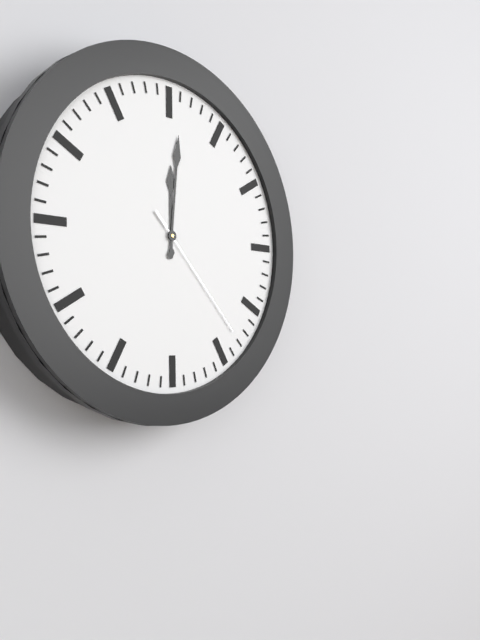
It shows 12 h 01 min 23 s
